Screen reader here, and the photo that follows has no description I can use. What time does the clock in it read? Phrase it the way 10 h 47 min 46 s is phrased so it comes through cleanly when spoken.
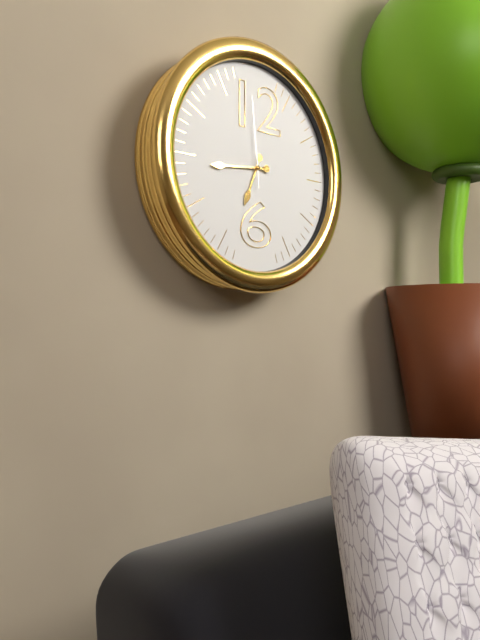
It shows 6 h 44 min 59 s
